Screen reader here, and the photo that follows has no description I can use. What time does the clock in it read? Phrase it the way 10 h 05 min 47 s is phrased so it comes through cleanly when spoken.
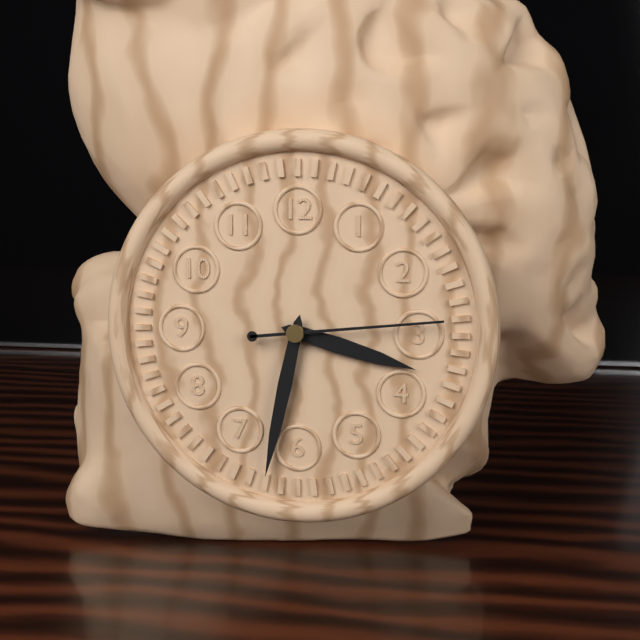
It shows 3 h 32 min 14 s
